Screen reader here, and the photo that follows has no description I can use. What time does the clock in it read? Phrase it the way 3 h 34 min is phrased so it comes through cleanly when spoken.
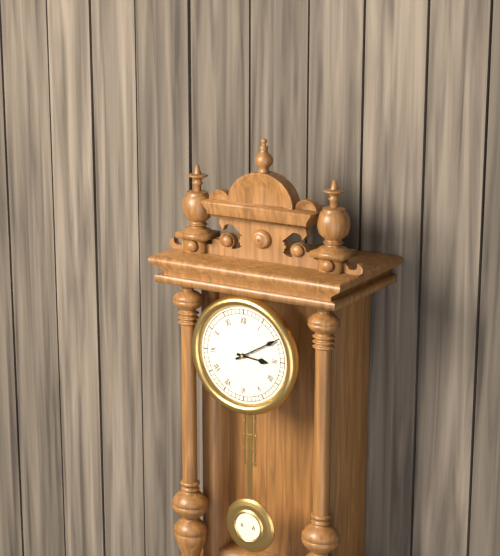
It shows 3 h 10 min
